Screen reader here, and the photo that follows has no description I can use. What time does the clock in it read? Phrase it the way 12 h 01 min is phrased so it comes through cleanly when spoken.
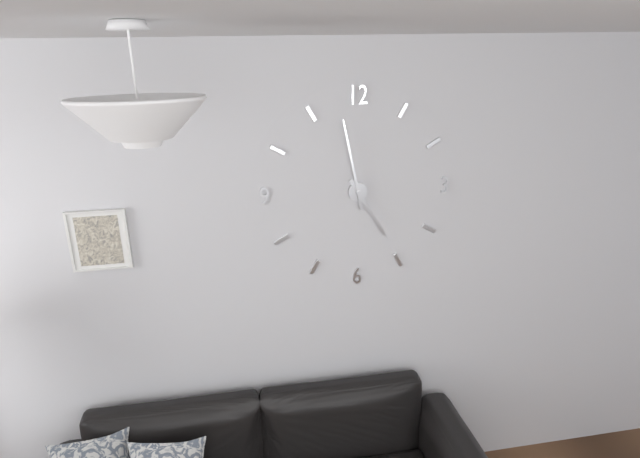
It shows 4 h 58 min
